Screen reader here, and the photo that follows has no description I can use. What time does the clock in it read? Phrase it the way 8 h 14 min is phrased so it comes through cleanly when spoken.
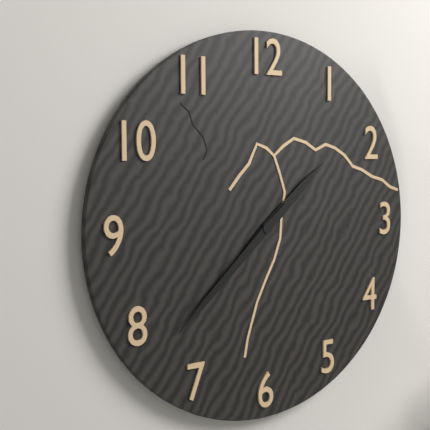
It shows 1 h 38 min
